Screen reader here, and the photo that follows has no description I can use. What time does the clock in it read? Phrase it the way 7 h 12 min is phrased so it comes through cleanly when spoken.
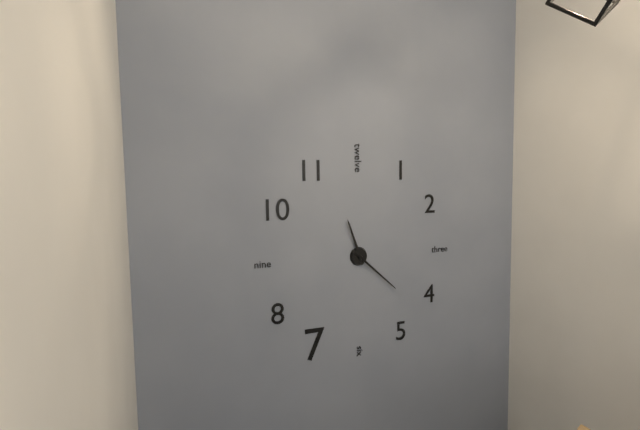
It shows 11 h 22 min
